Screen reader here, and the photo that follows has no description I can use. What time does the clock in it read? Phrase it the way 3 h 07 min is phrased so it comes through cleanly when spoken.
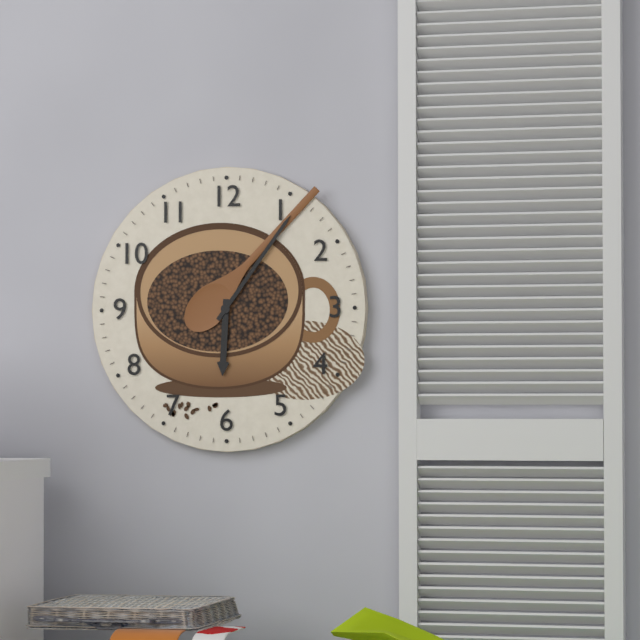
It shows 6 h 06 min
